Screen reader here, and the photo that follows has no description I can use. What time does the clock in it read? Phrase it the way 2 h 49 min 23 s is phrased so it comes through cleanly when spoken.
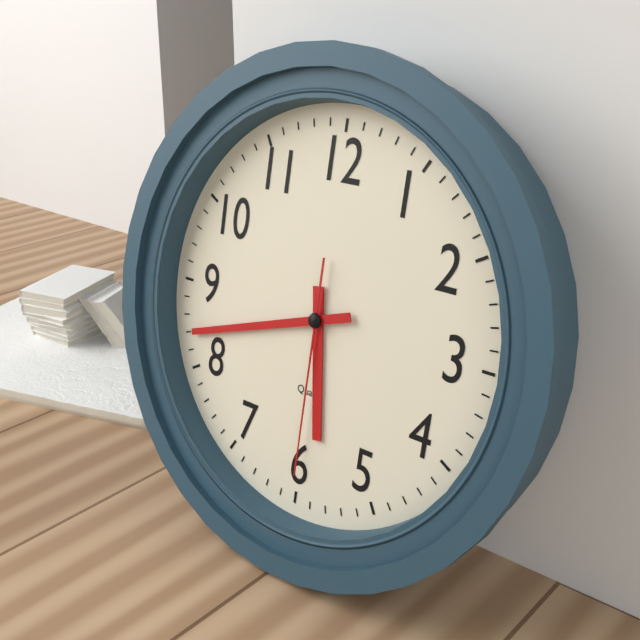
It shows 5 h 42 min 30 s
